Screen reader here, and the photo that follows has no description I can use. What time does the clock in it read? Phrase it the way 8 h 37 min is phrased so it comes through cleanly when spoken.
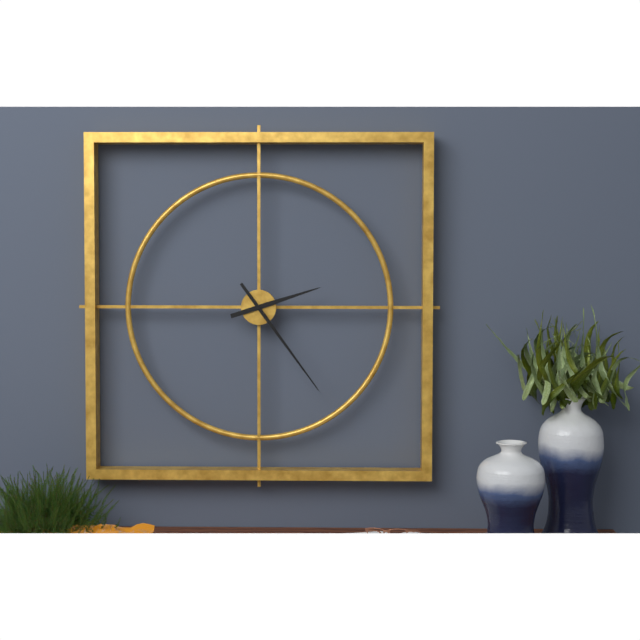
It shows 2 h 24 min
